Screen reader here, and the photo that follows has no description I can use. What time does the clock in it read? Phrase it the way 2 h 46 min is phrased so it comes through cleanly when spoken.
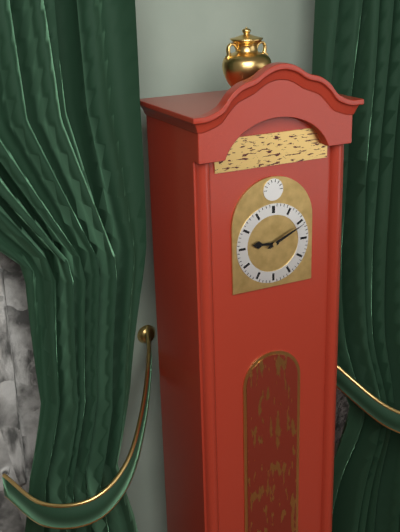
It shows 9 h 11 min
